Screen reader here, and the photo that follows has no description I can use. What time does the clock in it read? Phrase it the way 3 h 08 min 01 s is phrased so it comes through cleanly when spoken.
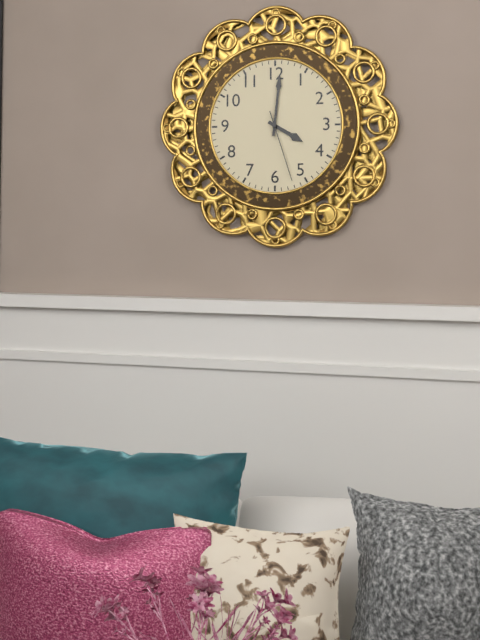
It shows 4 h 01 min 27 s
